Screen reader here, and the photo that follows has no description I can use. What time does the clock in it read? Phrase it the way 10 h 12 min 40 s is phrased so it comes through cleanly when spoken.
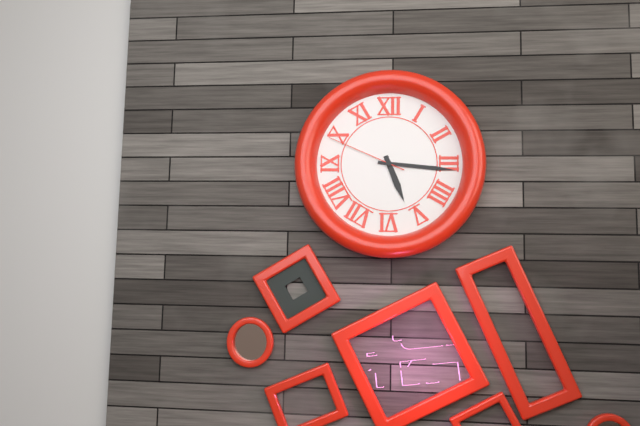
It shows 5 h 16 min 49 s
